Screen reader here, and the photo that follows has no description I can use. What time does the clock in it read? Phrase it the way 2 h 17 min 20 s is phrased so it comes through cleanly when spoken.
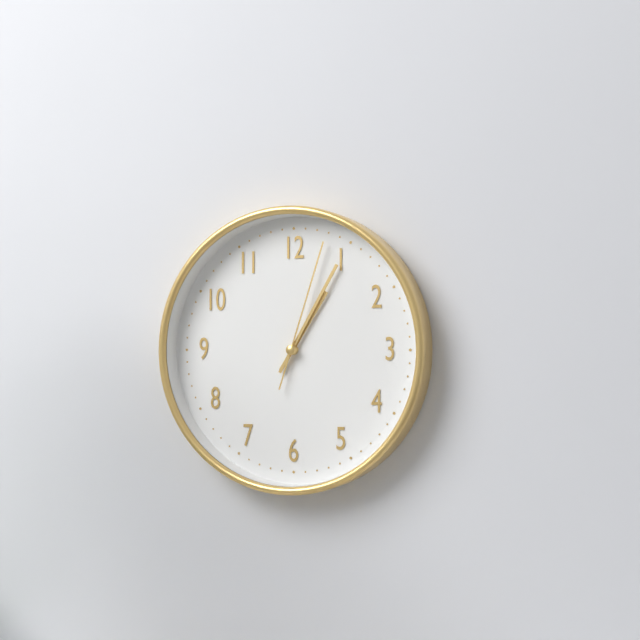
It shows 1 h 05 min 03 s
